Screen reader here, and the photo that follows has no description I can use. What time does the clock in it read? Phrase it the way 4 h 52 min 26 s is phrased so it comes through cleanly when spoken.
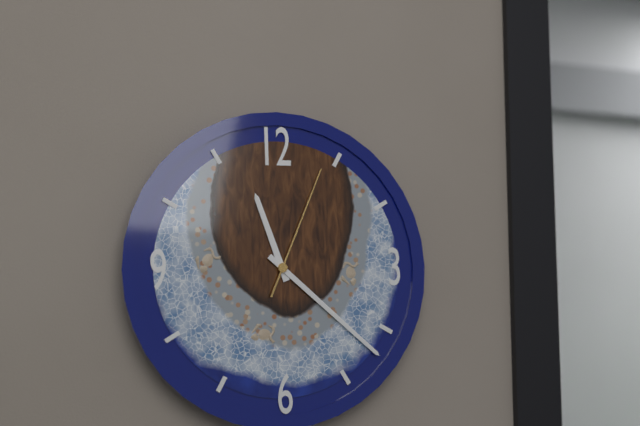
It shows 11 h 22 min 04 s
